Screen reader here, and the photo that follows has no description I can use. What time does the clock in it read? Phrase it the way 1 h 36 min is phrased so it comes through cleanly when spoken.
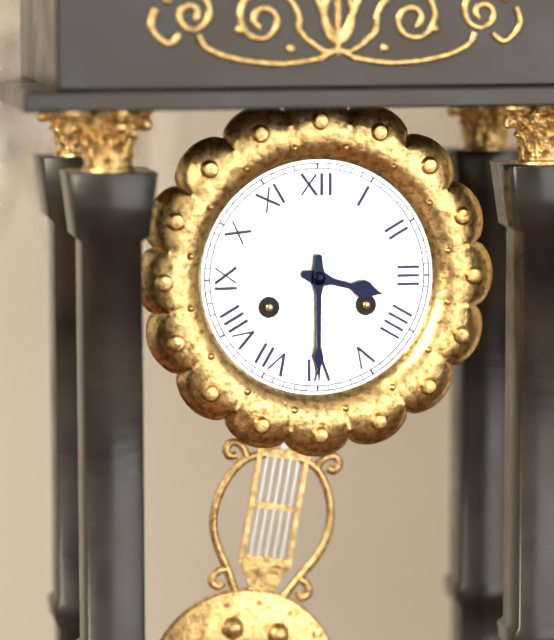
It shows 3 h 30 min
